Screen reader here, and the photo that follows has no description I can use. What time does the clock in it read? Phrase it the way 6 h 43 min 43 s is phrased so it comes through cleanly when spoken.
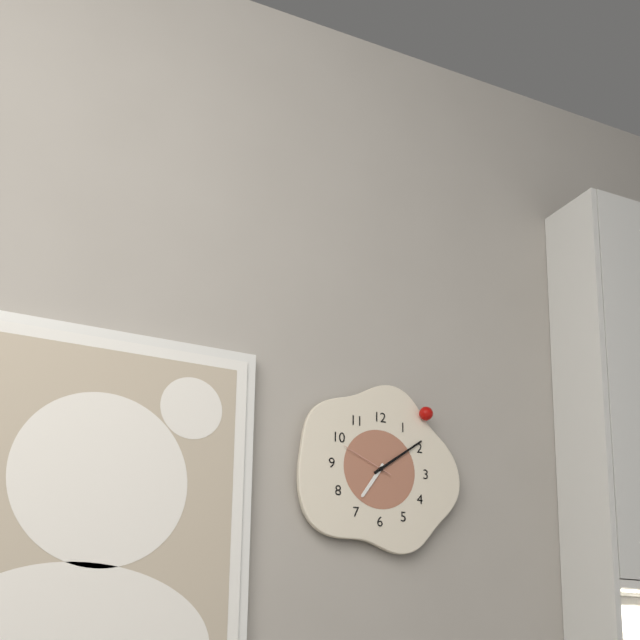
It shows 7 h 09 min 49 s
